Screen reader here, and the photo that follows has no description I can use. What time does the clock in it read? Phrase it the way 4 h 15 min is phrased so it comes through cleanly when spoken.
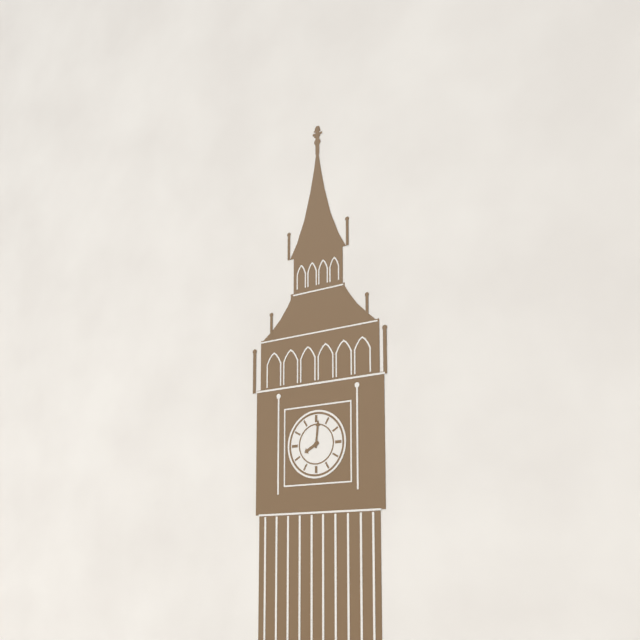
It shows 8 h 01 min
